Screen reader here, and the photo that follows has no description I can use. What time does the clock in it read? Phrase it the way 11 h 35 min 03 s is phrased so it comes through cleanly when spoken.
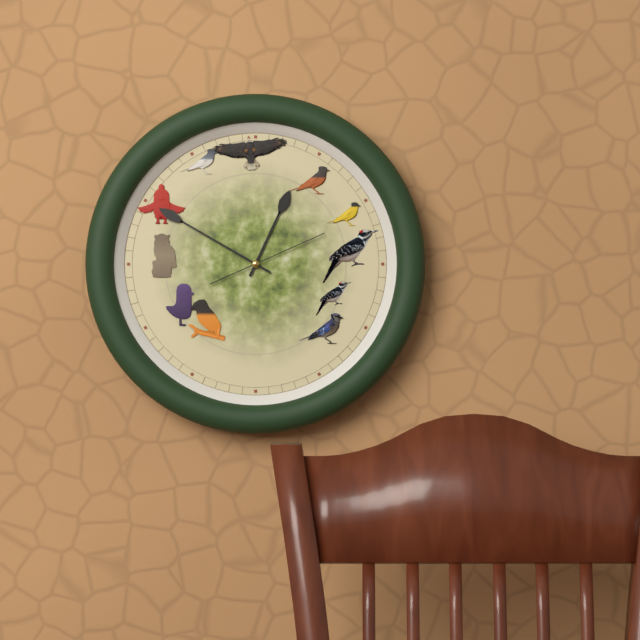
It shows 12 h 50 min 11 s
